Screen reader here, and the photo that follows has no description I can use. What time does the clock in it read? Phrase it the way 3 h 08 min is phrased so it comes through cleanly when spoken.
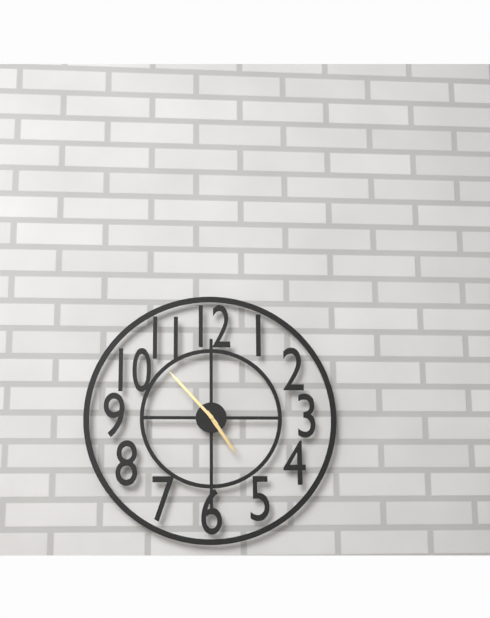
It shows 4 h 53 min
